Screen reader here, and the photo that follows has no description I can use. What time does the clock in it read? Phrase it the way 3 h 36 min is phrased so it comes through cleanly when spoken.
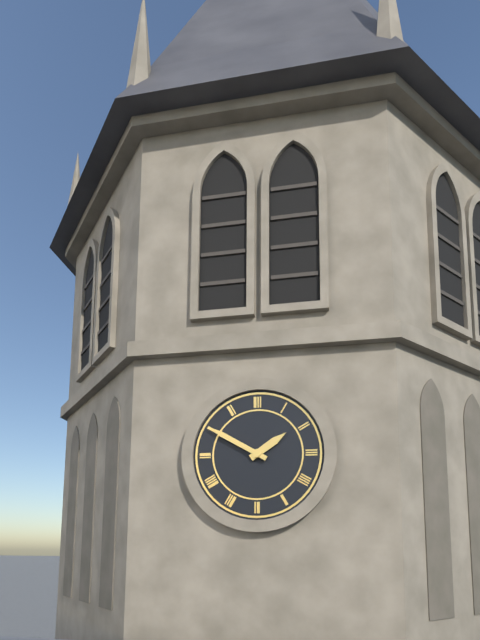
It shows 1 h 50 min
